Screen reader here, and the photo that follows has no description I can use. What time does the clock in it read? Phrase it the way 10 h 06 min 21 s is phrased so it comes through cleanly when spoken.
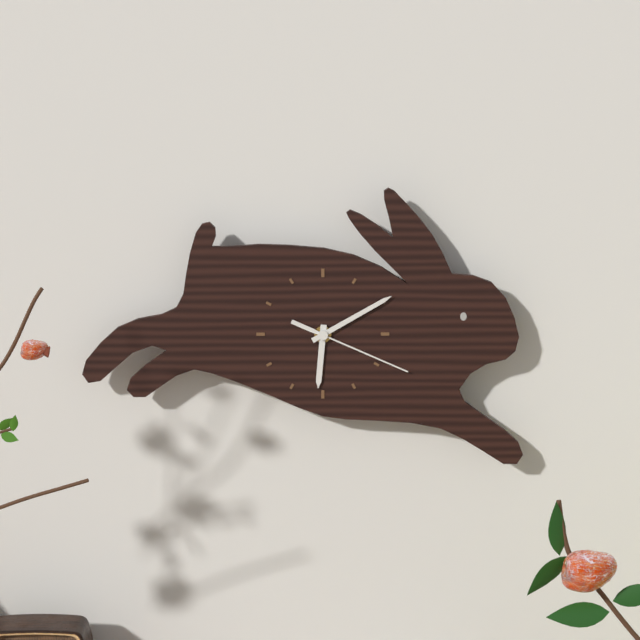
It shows 6 h 10 min 19 s
